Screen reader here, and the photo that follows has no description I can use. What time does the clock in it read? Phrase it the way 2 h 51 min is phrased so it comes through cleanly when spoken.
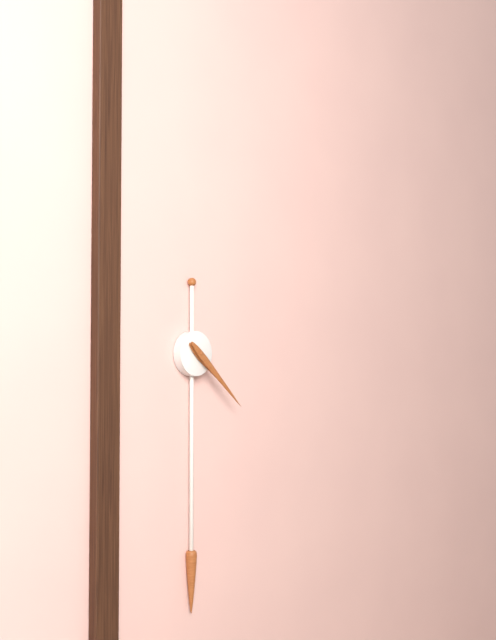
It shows 4 h 22 min
